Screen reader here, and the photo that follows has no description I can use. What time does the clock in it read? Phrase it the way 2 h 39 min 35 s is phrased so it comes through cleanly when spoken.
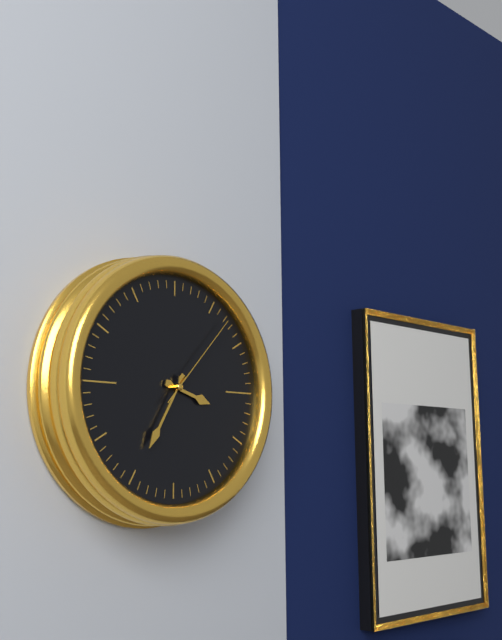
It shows 3 h 35 min 07 s
